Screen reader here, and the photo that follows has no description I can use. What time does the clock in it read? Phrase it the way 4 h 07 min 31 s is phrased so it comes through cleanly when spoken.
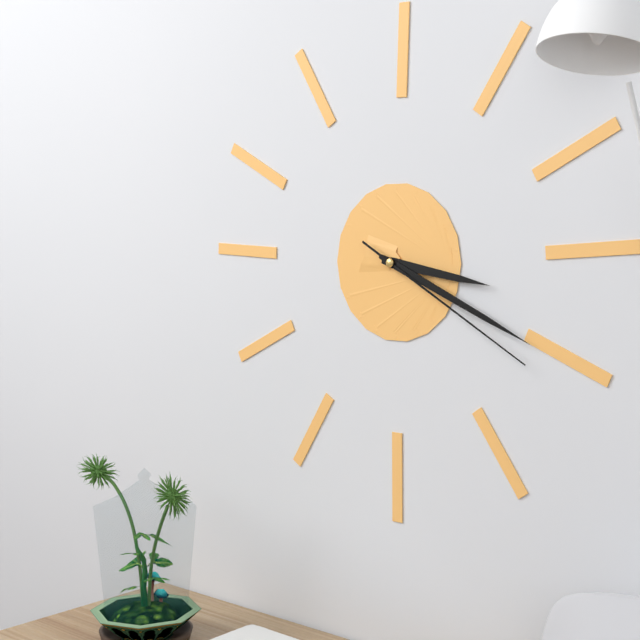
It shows 3 h 19 min 20 s
